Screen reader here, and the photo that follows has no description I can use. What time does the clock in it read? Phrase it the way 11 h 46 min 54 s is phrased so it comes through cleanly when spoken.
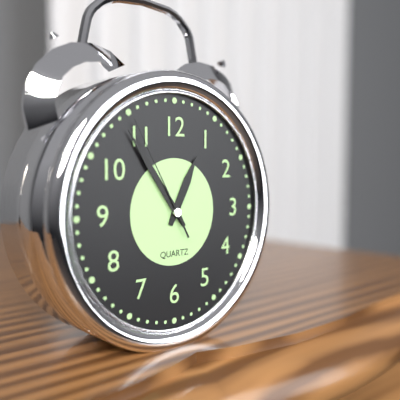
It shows 12 h 54 min 55 s
